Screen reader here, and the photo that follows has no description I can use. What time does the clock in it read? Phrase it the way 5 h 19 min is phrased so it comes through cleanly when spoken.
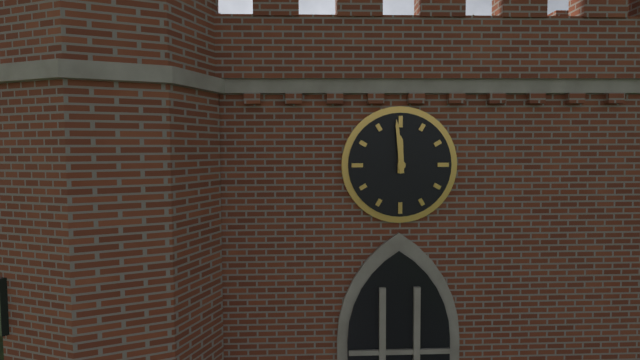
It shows 11 h 59 min
